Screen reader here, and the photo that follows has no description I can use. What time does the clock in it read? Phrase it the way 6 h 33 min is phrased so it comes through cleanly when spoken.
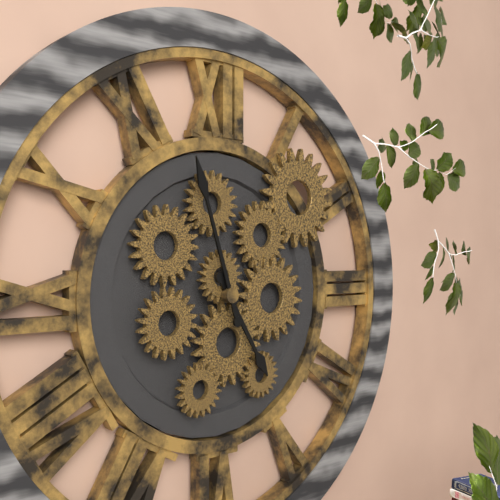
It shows 4 h 57 min
